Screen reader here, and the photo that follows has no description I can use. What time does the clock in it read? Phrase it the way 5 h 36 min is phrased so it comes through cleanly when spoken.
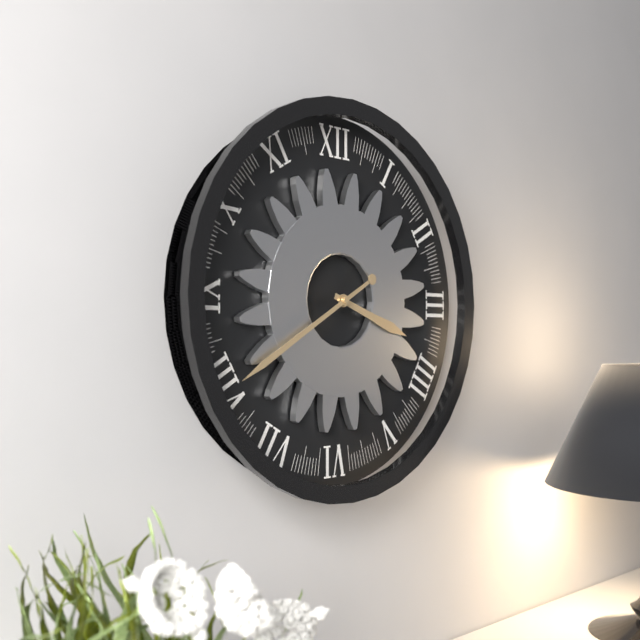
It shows 3 h 40 min
